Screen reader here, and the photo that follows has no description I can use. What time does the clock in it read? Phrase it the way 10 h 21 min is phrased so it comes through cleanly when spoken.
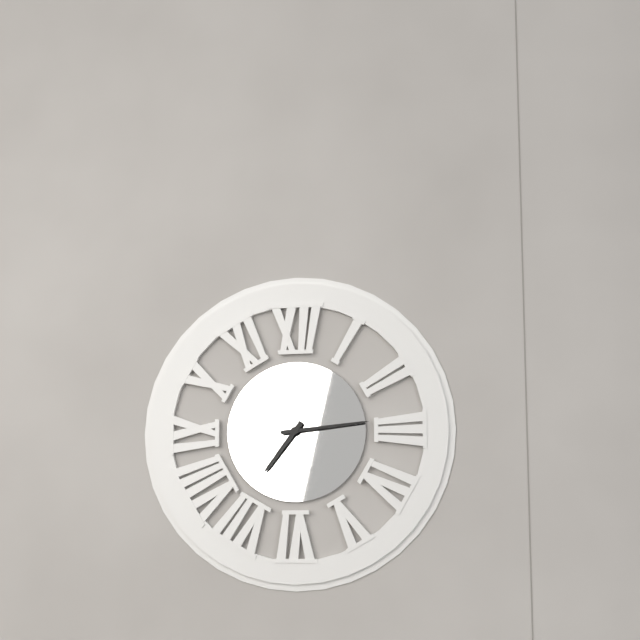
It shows 7 h 14 min
